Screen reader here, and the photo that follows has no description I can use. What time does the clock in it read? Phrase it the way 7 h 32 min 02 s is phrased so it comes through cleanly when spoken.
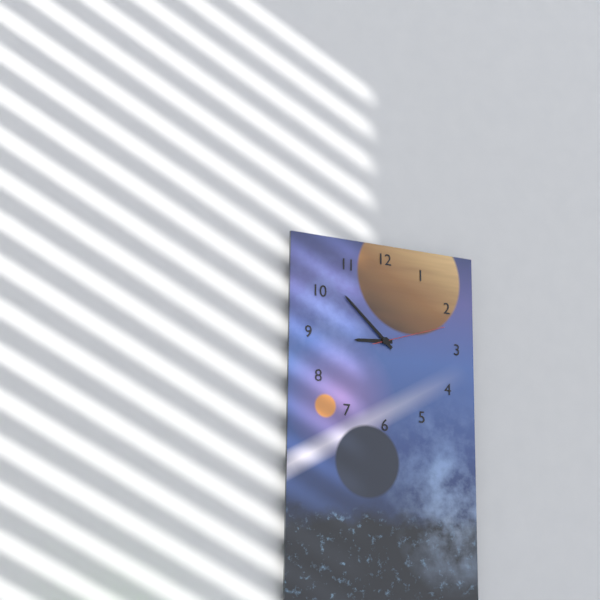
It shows 8 h 52 min 12 s
